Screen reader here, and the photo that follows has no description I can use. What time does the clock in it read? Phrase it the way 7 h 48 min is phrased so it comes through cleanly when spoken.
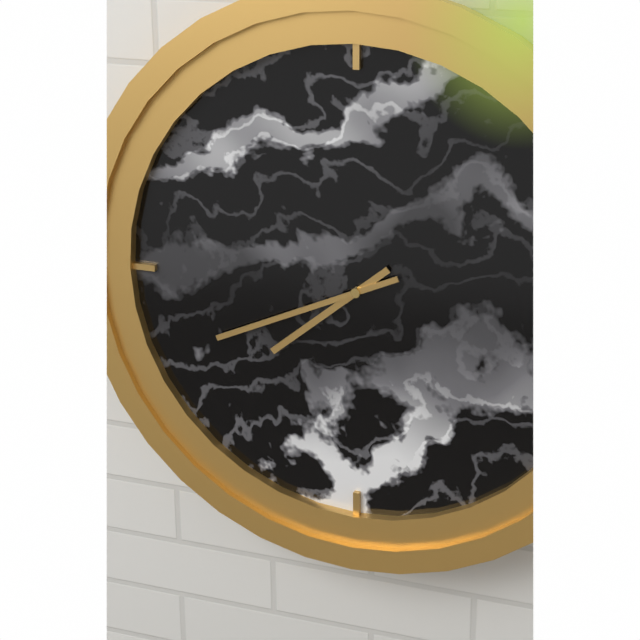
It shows 7 h 41 min
